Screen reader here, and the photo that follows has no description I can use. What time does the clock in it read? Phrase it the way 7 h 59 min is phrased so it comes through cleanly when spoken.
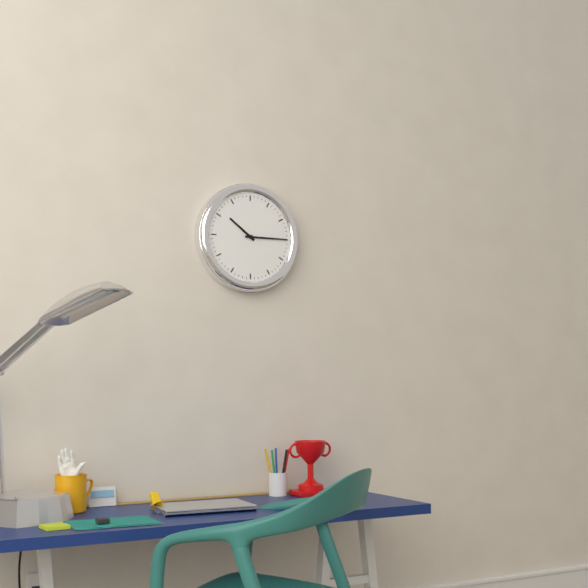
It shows 10 h 15 min
